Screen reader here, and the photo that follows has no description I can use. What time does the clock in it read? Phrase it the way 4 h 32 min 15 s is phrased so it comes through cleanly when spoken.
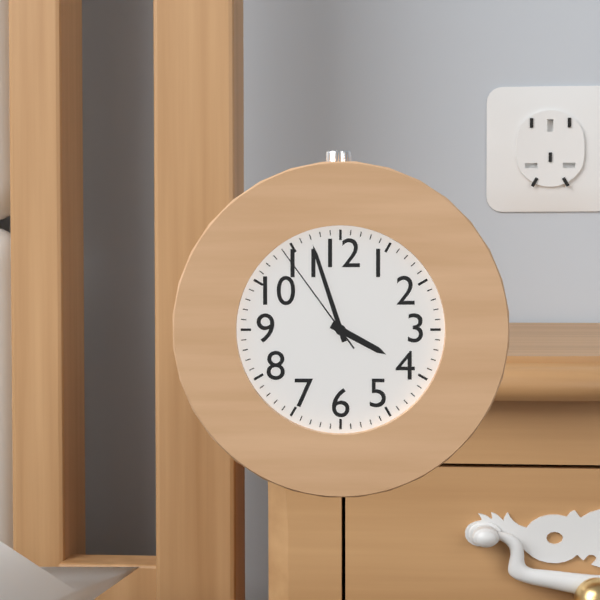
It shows 3 h 57 min 54 s
